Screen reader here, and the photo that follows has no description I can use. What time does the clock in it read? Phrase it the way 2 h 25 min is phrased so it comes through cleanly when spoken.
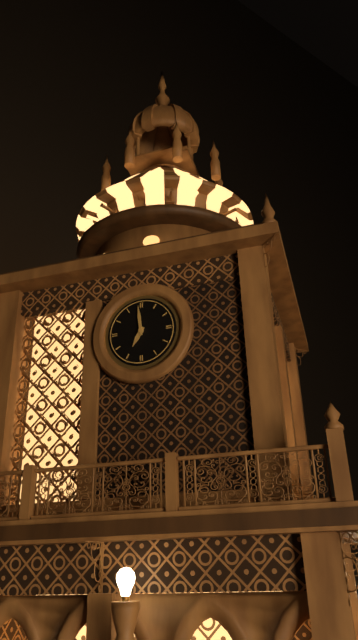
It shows 6 h 59 min
